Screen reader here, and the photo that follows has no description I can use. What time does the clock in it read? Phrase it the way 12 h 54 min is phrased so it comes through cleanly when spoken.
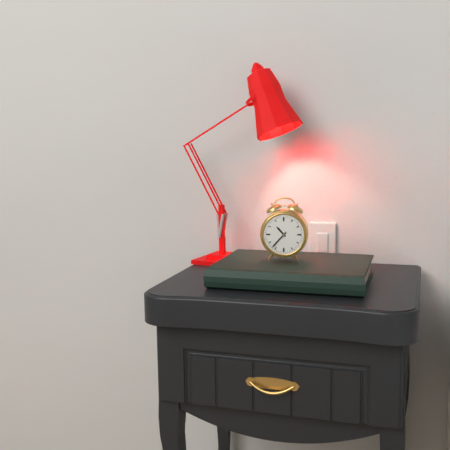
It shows 10 h 37 min
